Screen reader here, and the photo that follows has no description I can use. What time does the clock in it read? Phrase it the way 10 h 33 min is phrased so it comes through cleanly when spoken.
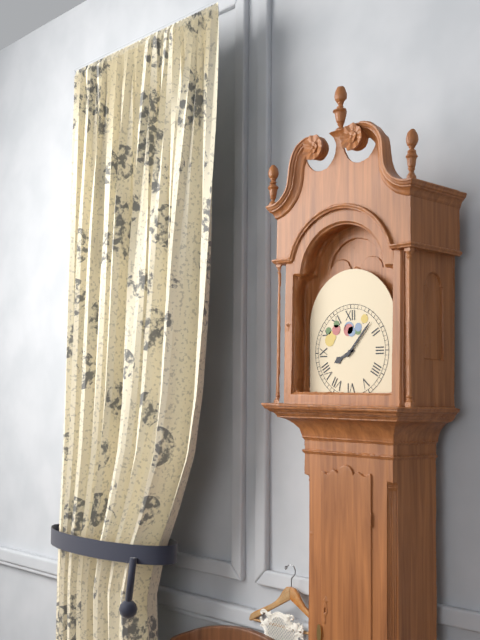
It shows 8 h 07 min
